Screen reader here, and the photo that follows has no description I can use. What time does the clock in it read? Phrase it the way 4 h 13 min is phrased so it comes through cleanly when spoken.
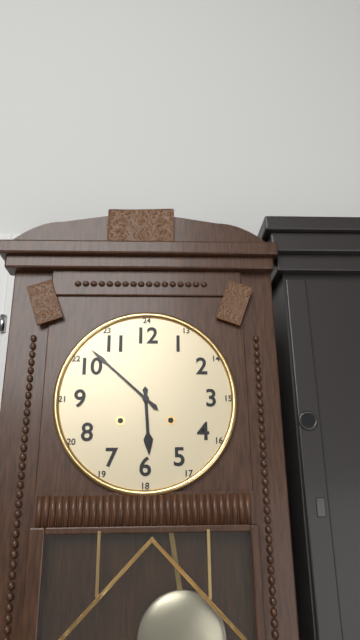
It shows 5 h 52 min
